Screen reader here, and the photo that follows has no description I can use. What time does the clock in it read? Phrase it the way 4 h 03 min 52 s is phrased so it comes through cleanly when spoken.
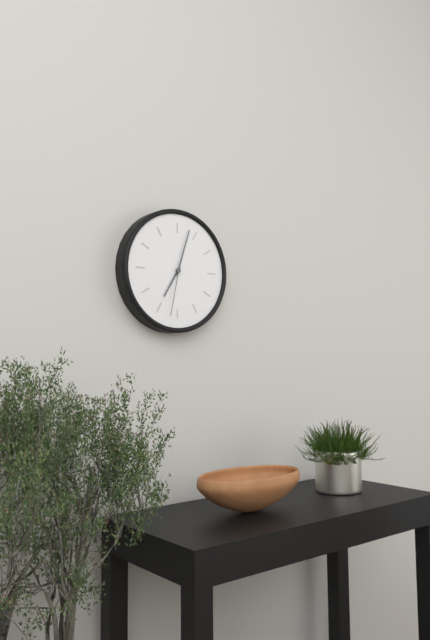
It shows 7 h 03 min 32 s
